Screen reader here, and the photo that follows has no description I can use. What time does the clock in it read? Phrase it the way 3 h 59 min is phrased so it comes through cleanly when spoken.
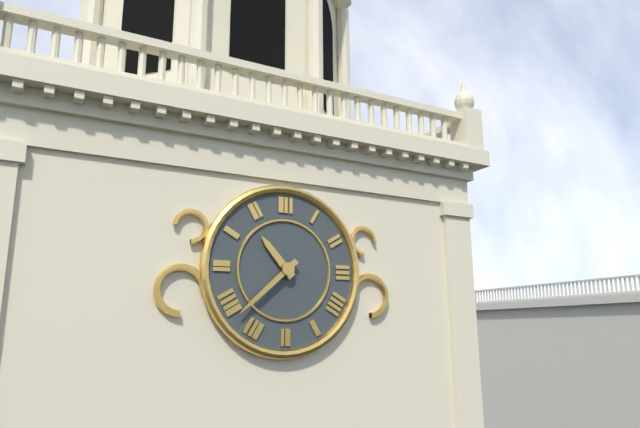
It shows 10 h 38 min
